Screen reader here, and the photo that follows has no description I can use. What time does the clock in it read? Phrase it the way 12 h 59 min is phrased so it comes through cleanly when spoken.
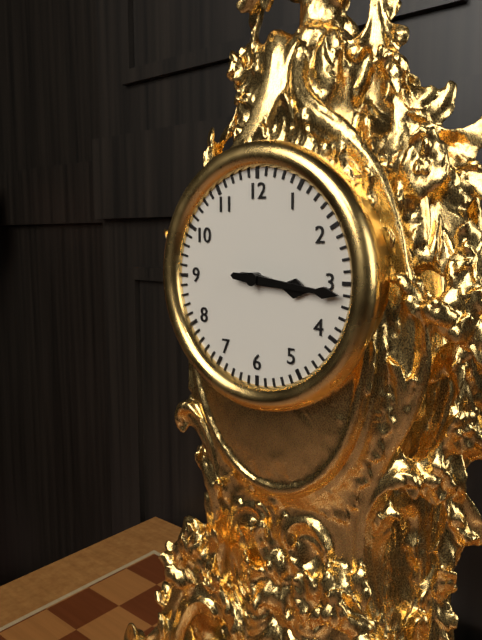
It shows 3 h 16 min
